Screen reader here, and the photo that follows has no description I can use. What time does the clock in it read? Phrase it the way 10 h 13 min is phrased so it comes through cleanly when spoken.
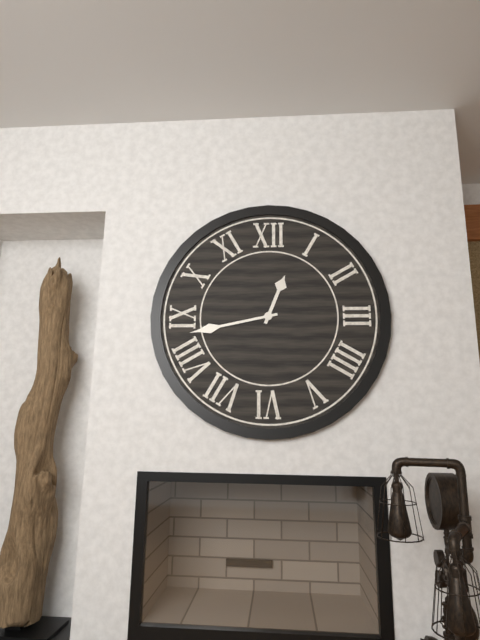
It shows 12 h 43 min
